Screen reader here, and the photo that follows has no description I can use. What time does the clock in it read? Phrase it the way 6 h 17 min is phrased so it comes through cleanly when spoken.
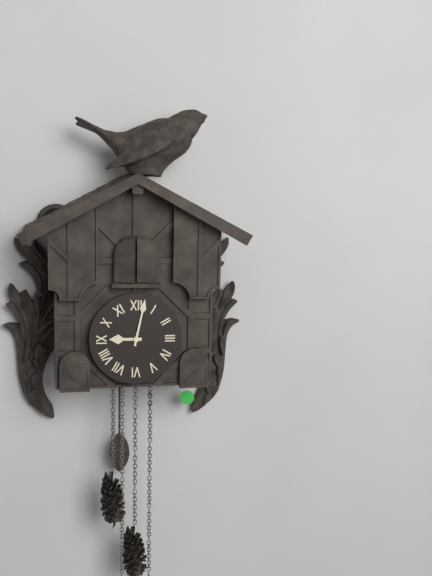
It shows 9 h 02 min
